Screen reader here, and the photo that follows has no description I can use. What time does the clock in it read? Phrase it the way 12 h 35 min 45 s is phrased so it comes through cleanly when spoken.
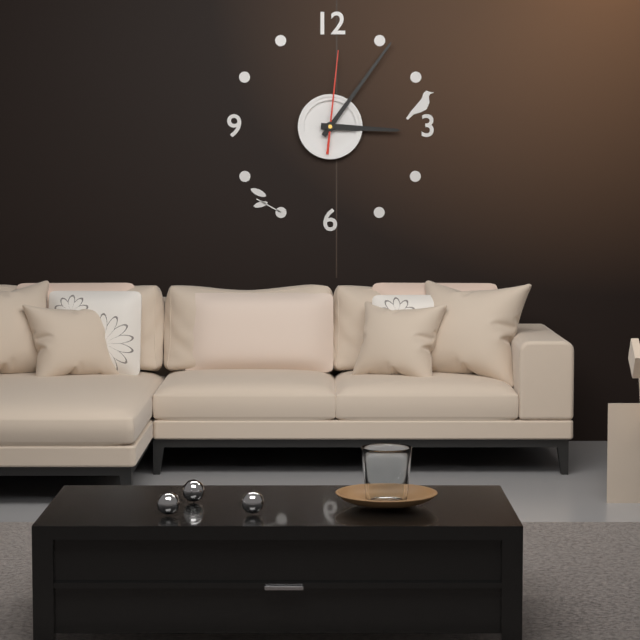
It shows 3 h 06 min 01 s
